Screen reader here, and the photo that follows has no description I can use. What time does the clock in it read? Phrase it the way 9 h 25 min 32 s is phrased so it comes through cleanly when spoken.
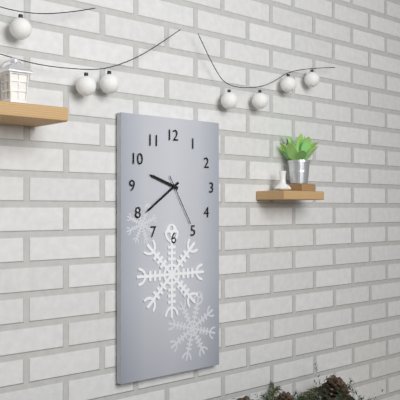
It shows 9 h 39 min 25 s
